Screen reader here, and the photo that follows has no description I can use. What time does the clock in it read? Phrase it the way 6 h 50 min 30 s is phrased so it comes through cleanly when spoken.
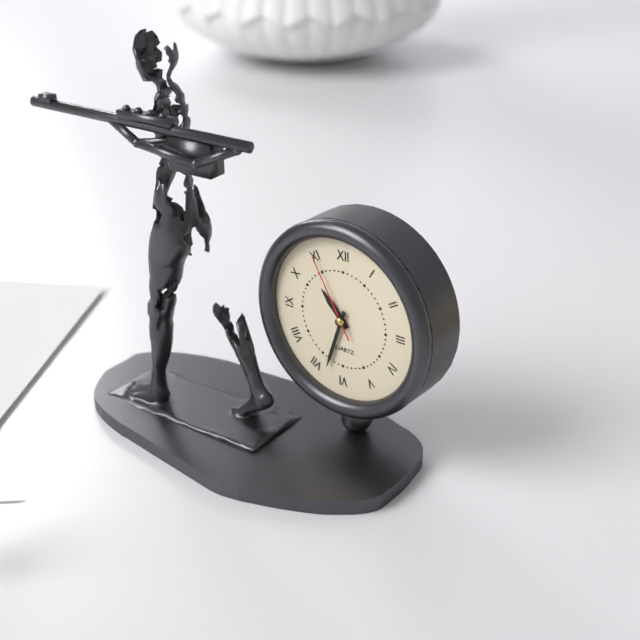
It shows 10 h 33 min 55 s
